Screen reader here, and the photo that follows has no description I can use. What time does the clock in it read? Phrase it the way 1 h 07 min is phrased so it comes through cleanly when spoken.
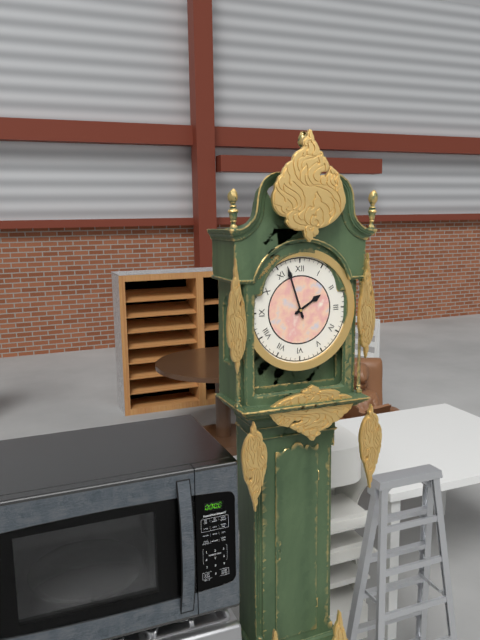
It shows 1 h 57 min
